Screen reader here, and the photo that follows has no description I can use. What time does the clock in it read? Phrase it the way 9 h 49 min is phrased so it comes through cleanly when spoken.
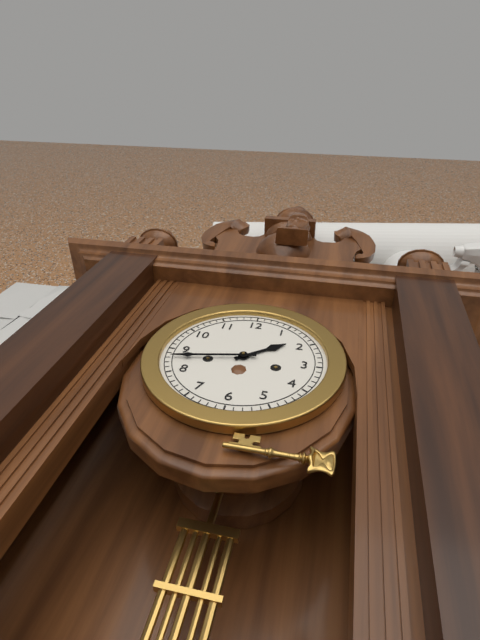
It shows 1 h 43 min
